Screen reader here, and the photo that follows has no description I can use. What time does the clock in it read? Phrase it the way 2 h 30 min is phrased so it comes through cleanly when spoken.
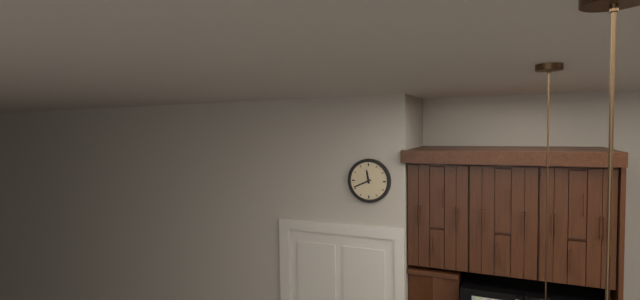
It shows 11 h 41 min
